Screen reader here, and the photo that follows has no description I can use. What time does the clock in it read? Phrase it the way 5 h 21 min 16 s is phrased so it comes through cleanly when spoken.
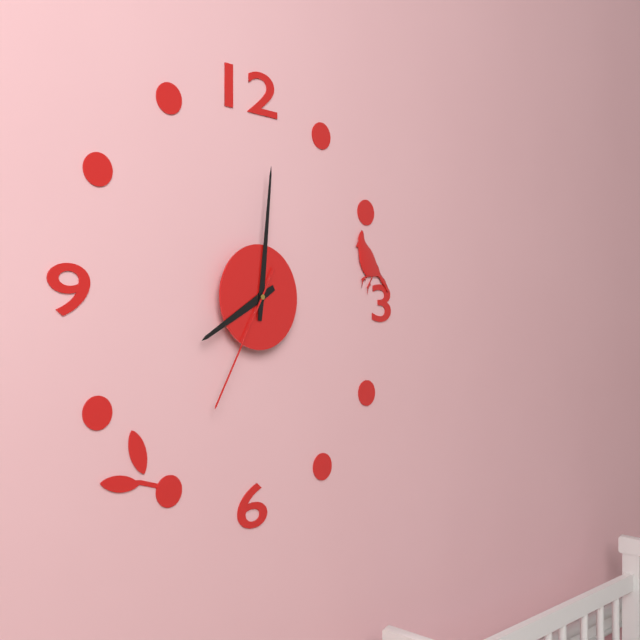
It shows 8 h 01 min 35 s
